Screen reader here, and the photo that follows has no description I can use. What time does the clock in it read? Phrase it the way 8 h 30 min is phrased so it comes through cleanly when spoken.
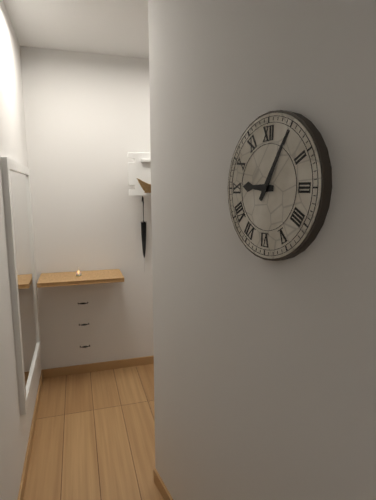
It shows 9 h 05 min
